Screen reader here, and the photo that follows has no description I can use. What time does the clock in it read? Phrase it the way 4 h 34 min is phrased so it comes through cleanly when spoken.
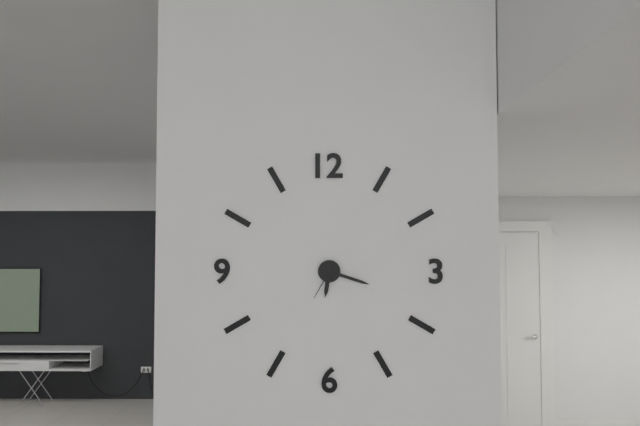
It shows 6 h 18 min
